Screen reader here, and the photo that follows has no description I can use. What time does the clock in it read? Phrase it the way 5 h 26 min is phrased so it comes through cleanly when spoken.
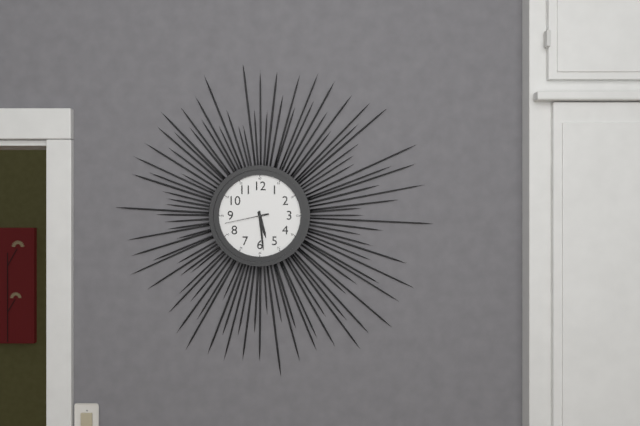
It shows 5 h 29 min
